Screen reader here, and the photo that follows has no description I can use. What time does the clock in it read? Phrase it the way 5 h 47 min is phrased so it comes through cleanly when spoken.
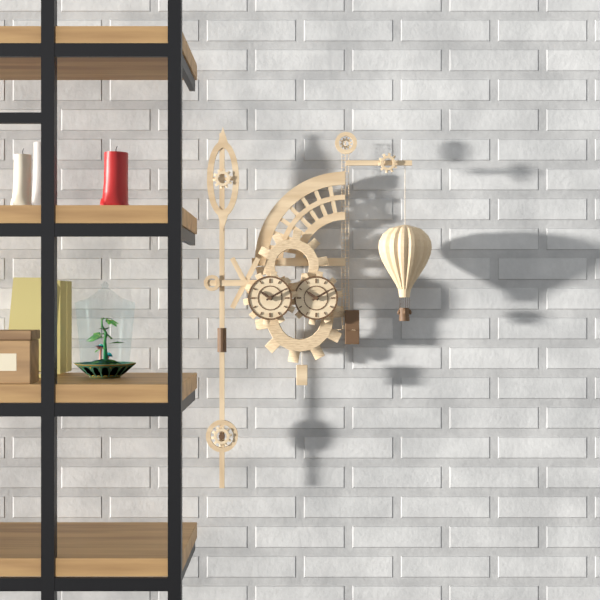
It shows 10 h 10 min
